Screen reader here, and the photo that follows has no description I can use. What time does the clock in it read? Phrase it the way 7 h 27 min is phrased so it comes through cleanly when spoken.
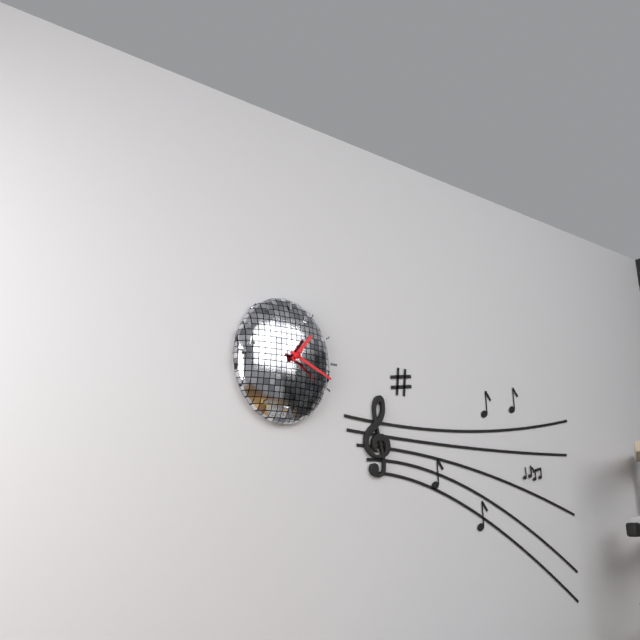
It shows 1 h 19 min
